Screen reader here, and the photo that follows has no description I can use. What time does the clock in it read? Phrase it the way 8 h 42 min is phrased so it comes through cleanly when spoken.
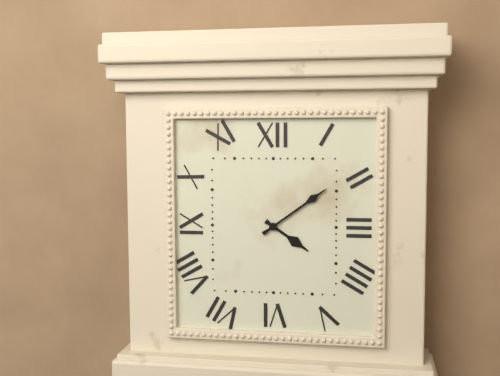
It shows 4 h 09 min
